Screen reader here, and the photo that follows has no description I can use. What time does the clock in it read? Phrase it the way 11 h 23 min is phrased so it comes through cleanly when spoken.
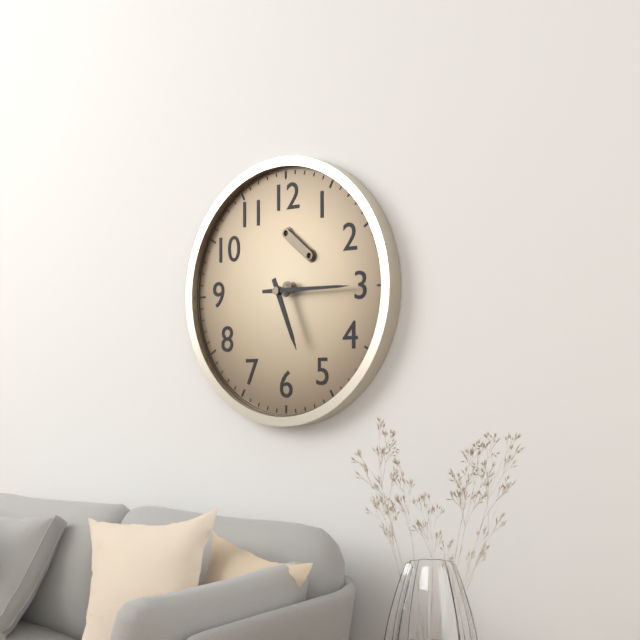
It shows 5 h 15 min
